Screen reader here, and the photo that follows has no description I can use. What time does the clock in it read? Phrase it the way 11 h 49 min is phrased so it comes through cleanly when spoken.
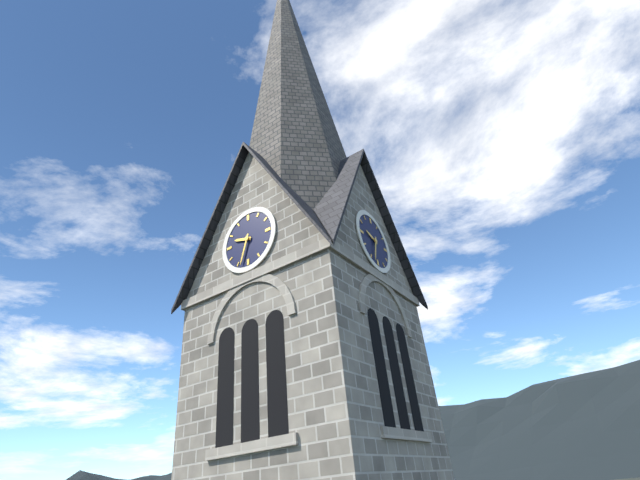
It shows 9 h 33 min
